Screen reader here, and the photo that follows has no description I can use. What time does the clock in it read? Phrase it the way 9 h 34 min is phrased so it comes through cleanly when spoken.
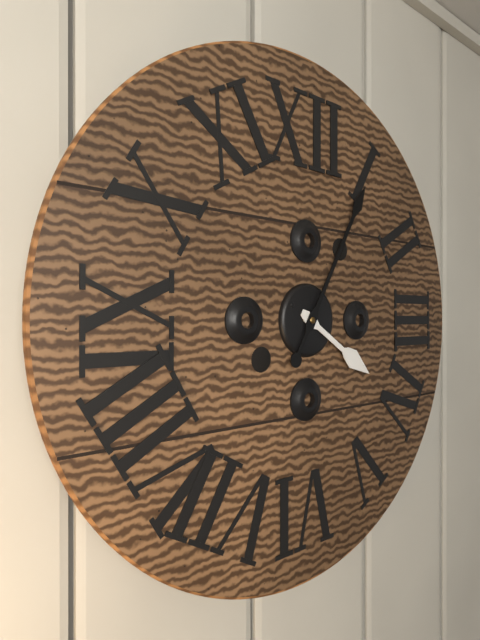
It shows 4 h 05 min
